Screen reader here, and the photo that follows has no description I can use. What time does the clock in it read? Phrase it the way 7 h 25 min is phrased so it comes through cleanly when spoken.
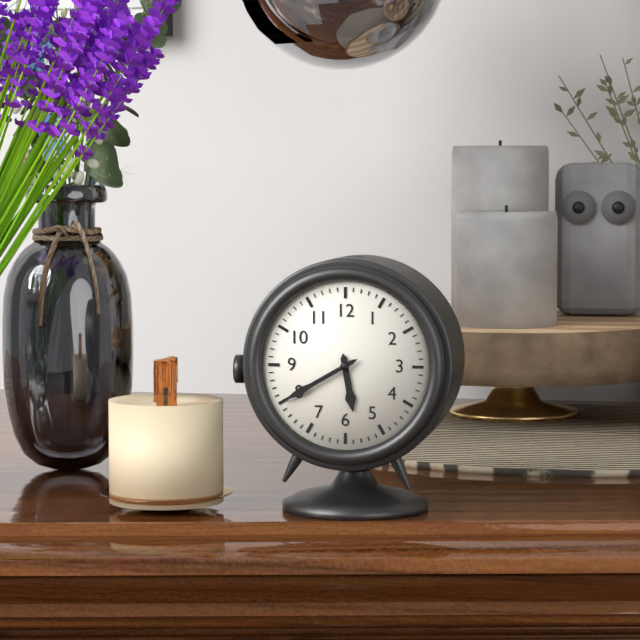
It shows 5 h 40 min
